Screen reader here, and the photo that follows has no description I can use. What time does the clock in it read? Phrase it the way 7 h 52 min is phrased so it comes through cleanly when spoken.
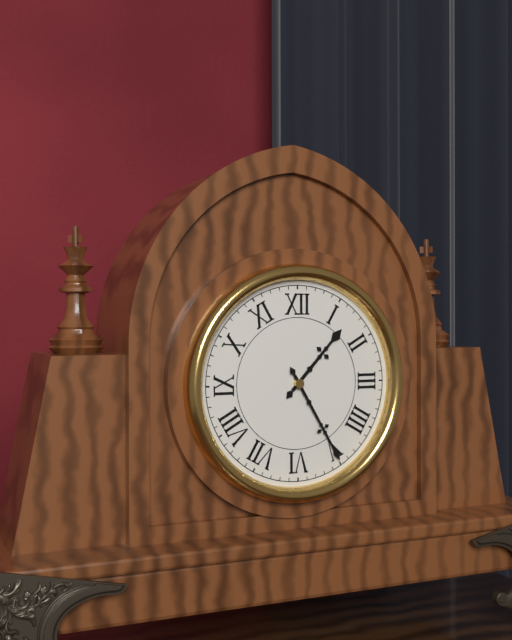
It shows 1 h 25 min
